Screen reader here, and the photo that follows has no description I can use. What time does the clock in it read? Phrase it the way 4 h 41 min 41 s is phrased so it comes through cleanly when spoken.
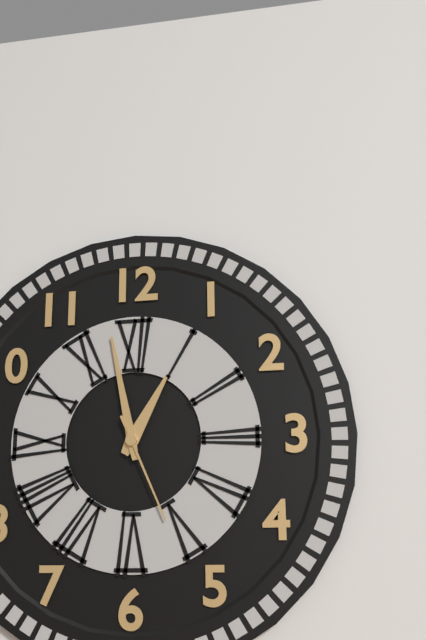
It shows 12 h 58 min 26 s
